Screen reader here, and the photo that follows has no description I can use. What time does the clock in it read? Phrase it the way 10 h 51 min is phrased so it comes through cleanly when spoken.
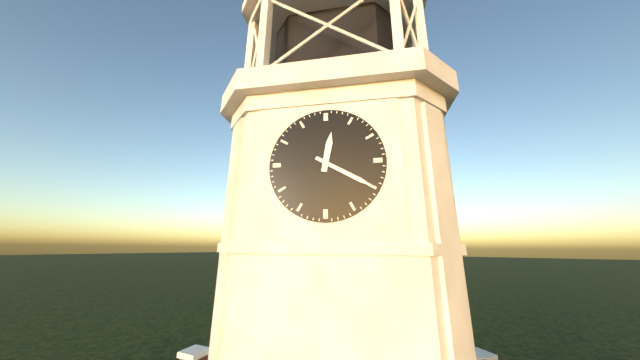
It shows 12 h 20 min
